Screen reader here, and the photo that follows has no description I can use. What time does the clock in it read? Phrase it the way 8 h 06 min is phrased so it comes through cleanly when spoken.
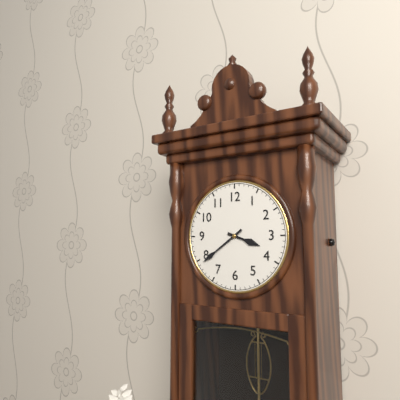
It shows 3 h 39 min
